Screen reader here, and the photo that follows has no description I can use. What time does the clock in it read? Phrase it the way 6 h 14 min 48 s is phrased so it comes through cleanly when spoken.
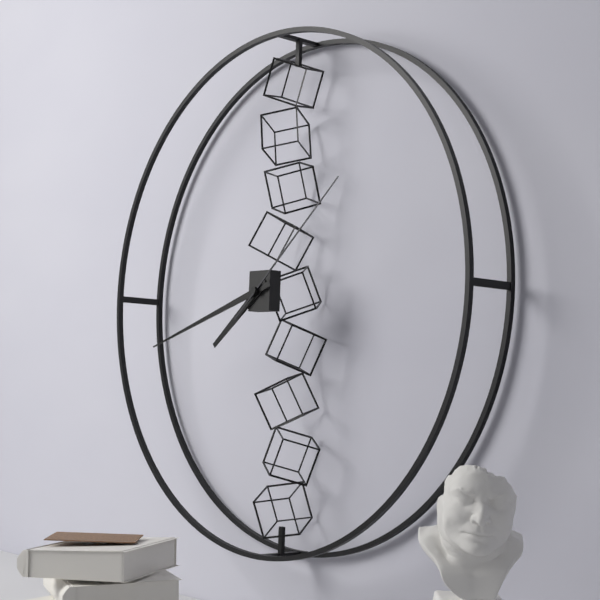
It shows 7 h 42 min 08 s
